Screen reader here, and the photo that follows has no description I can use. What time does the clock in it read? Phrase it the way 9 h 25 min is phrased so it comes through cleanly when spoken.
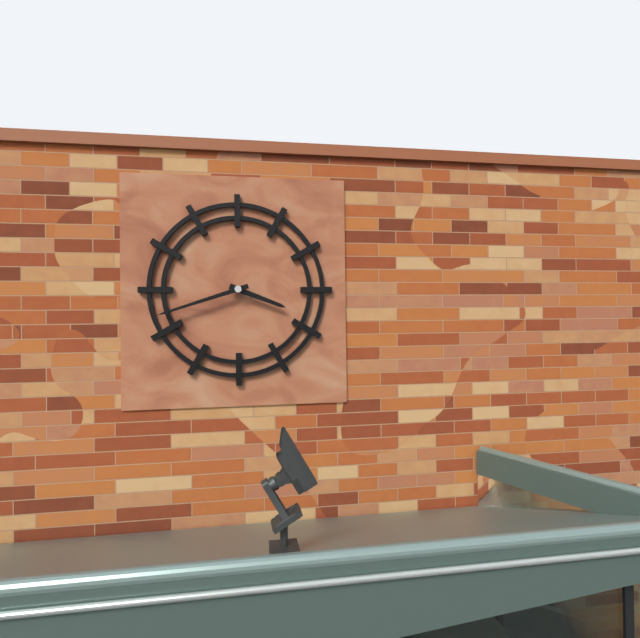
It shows 3 h 42 min
